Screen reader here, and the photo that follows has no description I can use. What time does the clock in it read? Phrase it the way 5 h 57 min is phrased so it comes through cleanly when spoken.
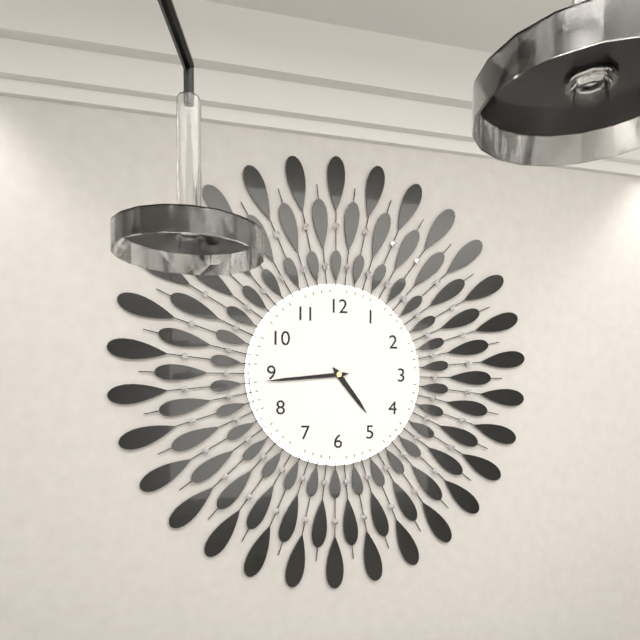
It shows 4 h 44 min
